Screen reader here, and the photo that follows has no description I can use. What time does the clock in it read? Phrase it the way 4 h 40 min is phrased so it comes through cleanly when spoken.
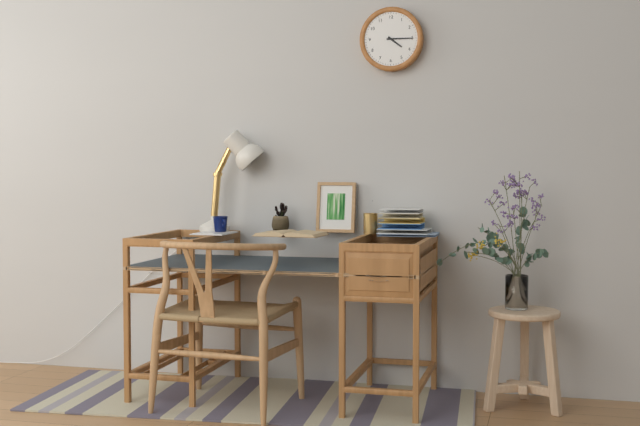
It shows 4 h 15 min
